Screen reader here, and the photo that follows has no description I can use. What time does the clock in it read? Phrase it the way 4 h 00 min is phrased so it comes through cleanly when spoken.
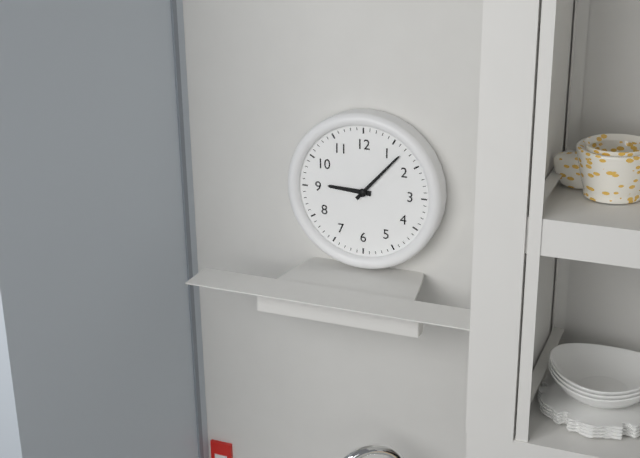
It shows 9 h 07 min
